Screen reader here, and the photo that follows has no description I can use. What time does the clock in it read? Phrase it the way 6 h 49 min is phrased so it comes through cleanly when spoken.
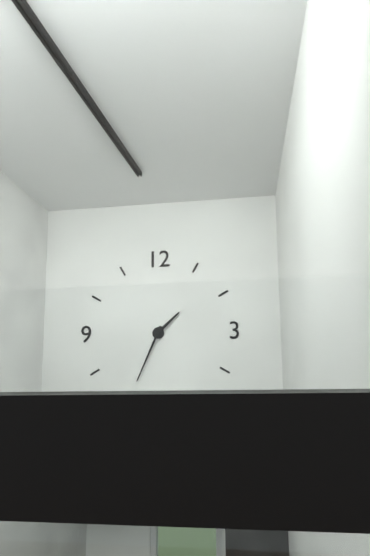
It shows 1 h 34 min
